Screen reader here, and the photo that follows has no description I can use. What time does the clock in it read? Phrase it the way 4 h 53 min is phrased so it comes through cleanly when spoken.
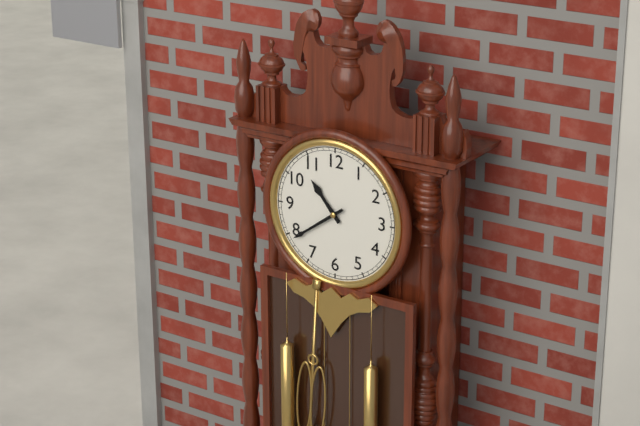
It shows 10 h 39 min
